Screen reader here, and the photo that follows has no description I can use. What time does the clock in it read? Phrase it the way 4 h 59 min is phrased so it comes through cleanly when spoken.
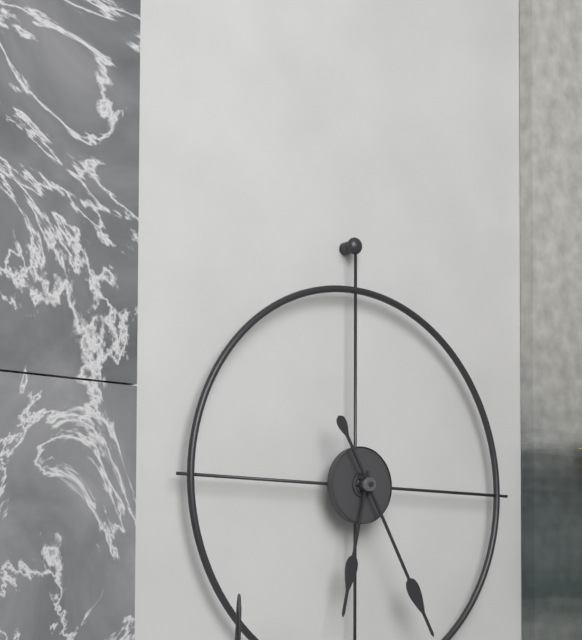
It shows 6 h 25 min
